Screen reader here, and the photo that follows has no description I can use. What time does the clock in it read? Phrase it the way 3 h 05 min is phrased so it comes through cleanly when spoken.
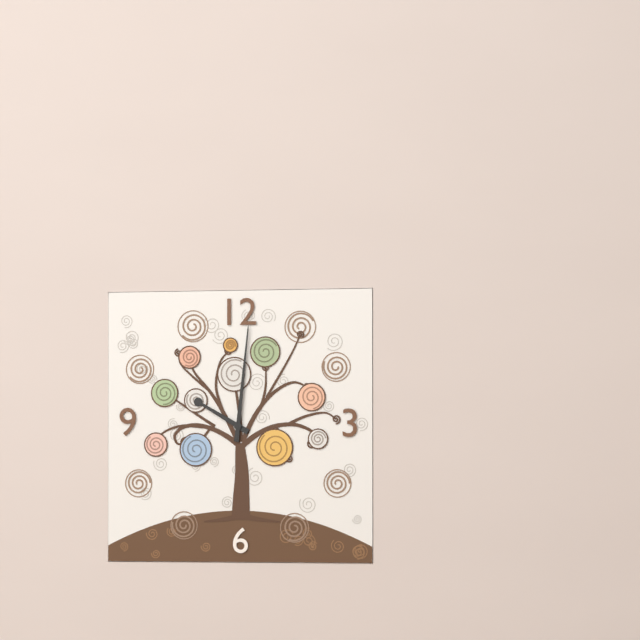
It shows 10 h 01 min
